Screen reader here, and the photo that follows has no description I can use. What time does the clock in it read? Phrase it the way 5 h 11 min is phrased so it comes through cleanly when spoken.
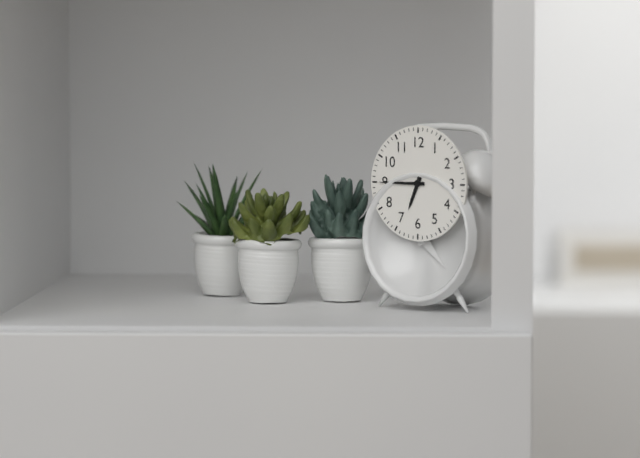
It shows 6 h 45 min
